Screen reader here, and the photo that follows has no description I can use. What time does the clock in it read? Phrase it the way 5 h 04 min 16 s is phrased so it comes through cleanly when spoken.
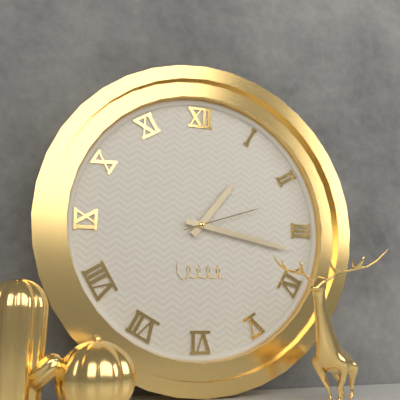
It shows 1 h 17 min 12 s
